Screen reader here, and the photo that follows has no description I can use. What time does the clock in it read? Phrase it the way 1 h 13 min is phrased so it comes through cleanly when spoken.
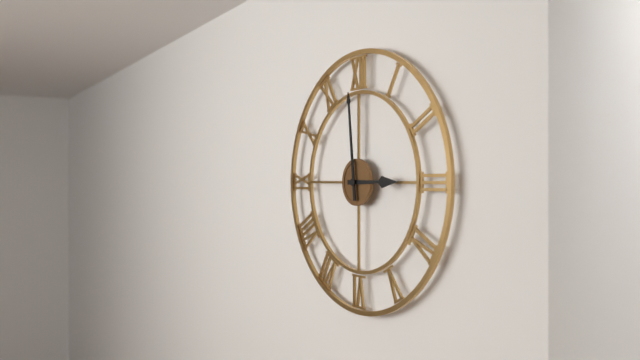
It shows 2 h 59 min
